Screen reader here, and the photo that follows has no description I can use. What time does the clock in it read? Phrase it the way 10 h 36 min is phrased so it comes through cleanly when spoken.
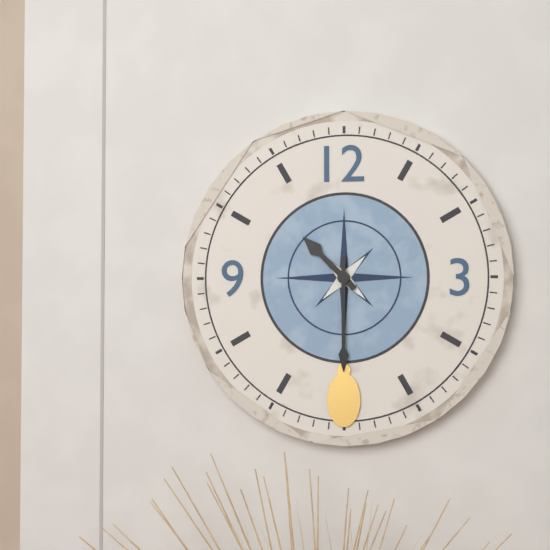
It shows 10 h 30 min
